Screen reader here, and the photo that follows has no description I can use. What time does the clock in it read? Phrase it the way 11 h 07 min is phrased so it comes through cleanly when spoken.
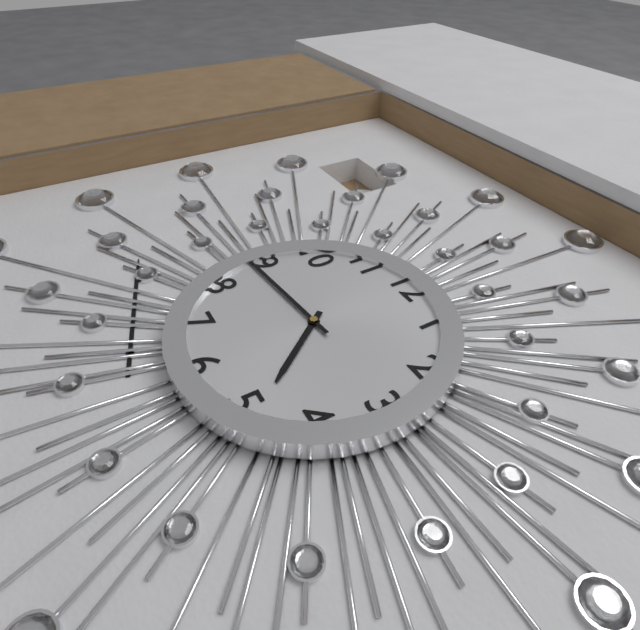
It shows 4 h 44 min
